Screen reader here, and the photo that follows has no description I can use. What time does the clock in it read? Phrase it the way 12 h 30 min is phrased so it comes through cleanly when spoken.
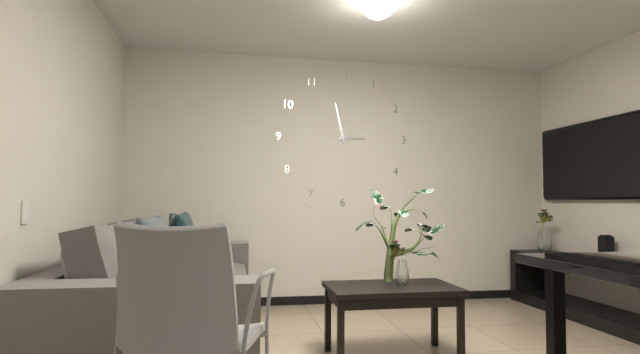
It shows 2 h 58 min
